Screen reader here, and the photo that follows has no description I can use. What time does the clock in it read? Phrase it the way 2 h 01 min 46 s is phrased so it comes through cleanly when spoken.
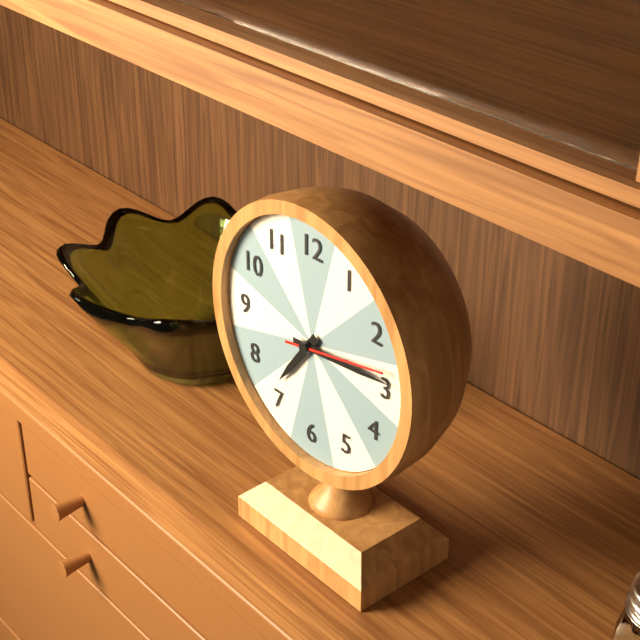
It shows 7 h 14 min 13 s
